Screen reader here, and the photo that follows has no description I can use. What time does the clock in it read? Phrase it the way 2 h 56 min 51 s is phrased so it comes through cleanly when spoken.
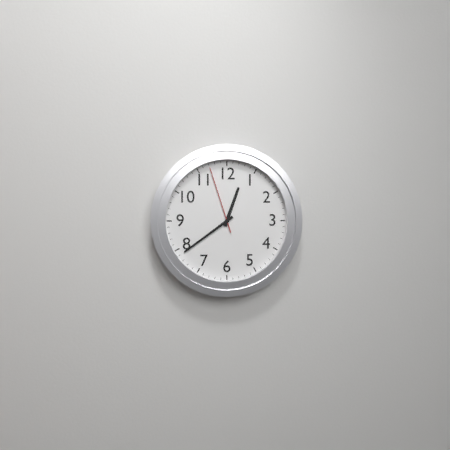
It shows 12 h 39 min 57 s
